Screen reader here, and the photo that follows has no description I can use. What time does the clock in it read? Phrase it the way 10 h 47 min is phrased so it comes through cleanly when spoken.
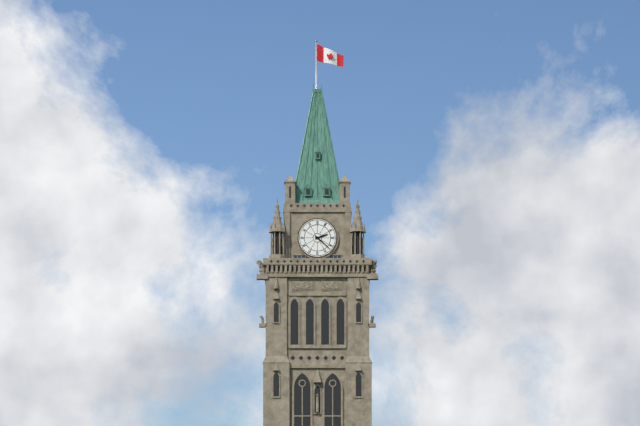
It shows 2 h 22 min
